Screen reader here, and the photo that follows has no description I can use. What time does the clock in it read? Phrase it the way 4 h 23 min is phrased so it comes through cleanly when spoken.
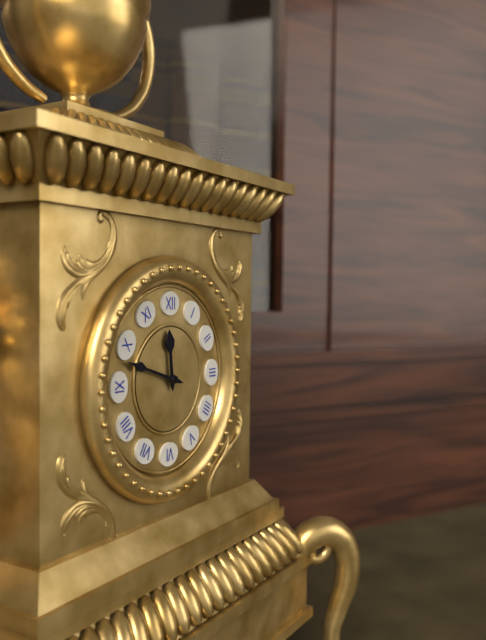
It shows 11 h 48 min
